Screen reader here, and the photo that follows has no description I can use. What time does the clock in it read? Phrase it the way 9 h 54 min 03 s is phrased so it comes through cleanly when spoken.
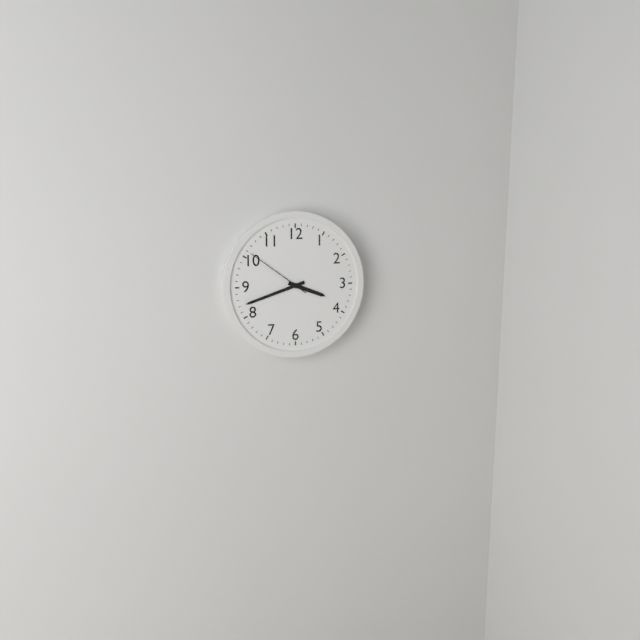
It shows 3 h 42 min 51 s
